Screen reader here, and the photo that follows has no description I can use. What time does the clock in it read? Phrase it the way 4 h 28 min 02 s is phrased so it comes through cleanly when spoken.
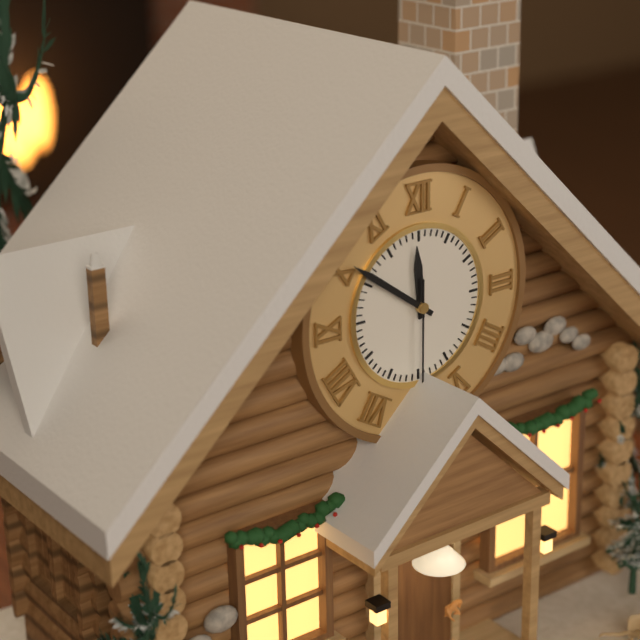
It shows 11 h 51 min 30 s
